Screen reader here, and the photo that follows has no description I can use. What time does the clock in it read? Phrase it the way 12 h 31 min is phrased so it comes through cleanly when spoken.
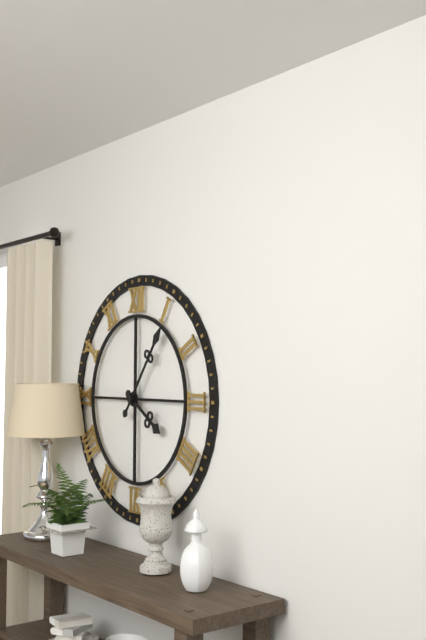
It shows 4 h 06 min
